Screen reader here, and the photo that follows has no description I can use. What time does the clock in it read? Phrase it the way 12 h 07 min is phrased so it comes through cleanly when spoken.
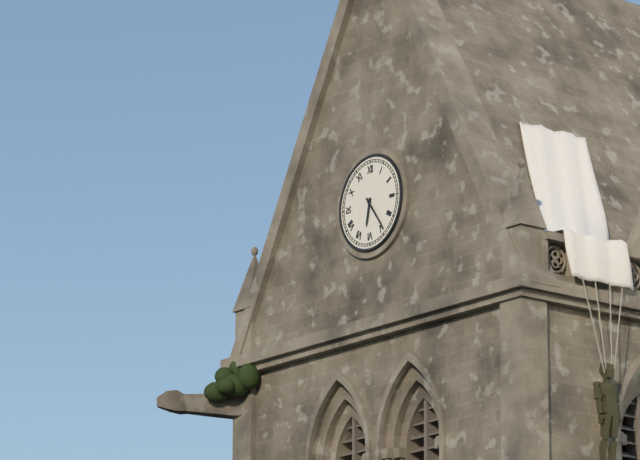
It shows 6 h 24 min
